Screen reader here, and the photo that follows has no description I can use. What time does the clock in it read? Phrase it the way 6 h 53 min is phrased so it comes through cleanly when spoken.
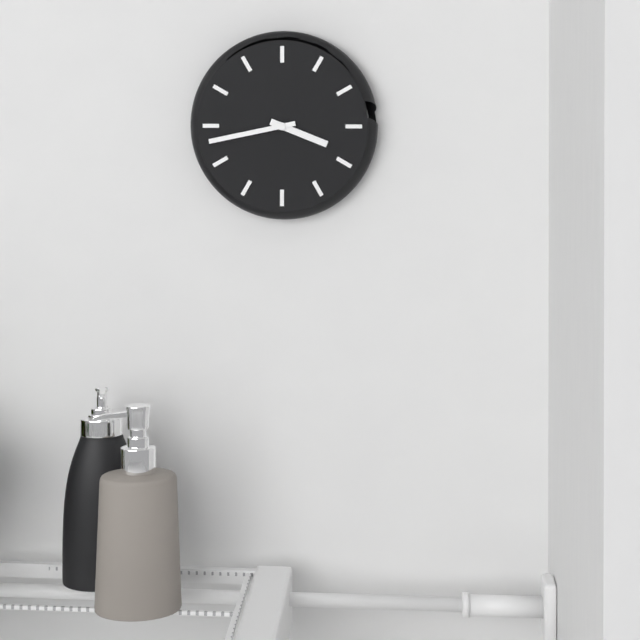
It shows 3 h 43 min
